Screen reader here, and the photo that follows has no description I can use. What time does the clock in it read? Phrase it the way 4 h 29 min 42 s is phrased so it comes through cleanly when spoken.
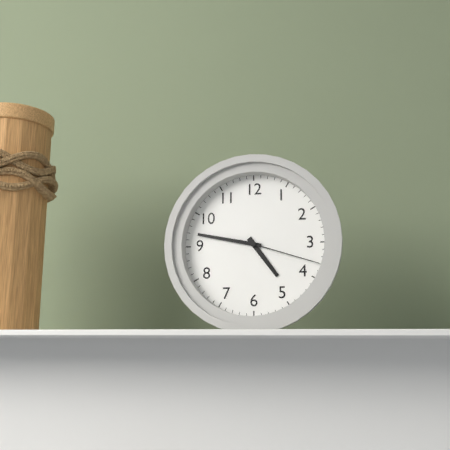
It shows 4 h 47 min 18 s
